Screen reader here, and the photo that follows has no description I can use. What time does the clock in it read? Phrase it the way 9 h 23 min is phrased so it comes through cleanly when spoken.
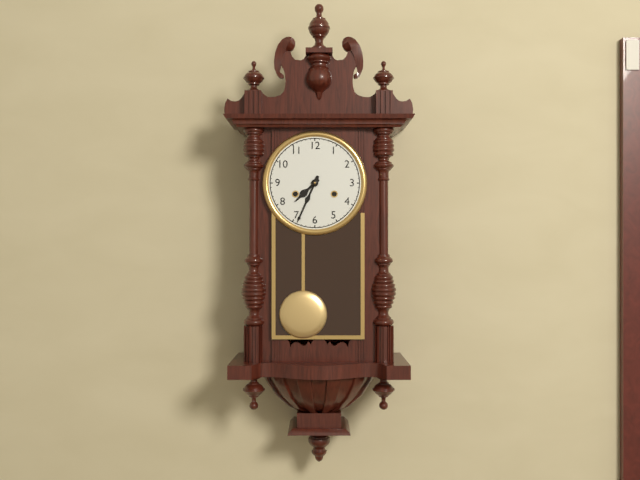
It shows 7 h 34 min
